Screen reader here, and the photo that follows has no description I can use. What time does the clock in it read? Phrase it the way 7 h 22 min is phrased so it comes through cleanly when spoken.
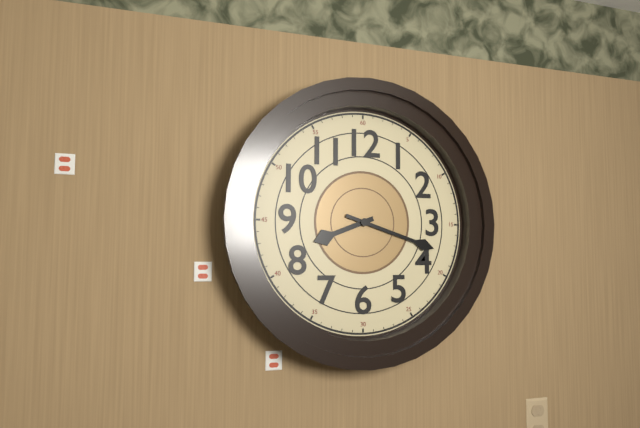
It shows 8 h 18 min
